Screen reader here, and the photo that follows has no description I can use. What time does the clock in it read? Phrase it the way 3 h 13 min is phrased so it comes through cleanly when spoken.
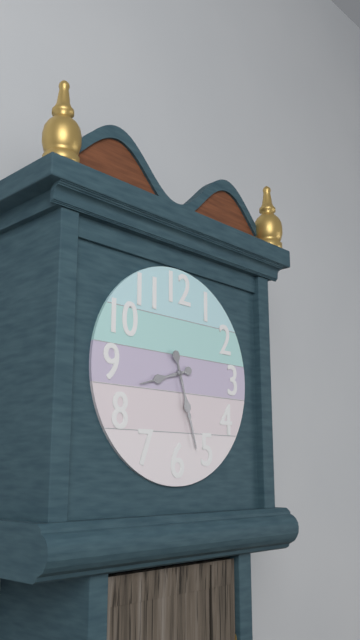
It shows 8 h 27 min
